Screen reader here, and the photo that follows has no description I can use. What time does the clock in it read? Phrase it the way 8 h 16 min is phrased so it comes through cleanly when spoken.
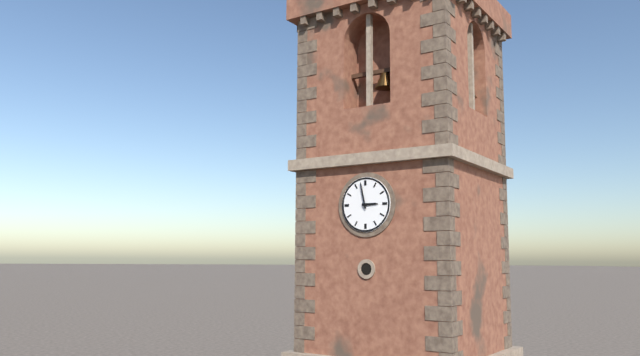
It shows 2 h 58 min
